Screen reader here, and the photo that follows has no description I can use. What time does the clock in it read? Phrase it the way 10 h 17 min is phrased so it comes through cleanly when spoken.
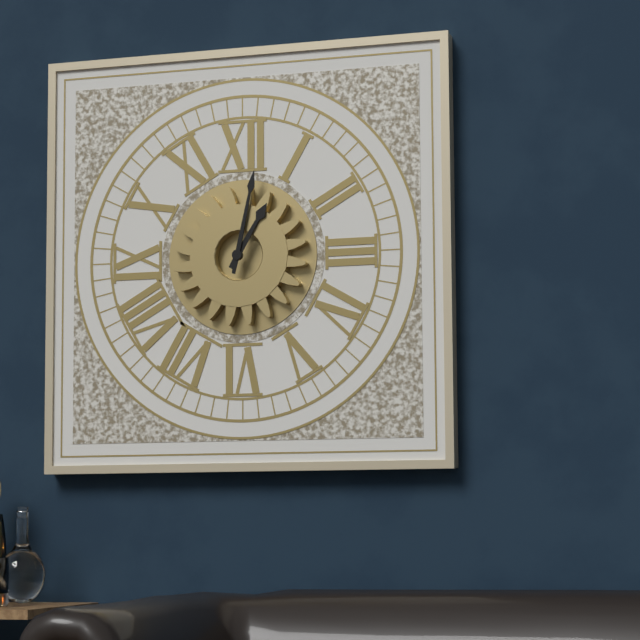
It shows 1 h 02 min
